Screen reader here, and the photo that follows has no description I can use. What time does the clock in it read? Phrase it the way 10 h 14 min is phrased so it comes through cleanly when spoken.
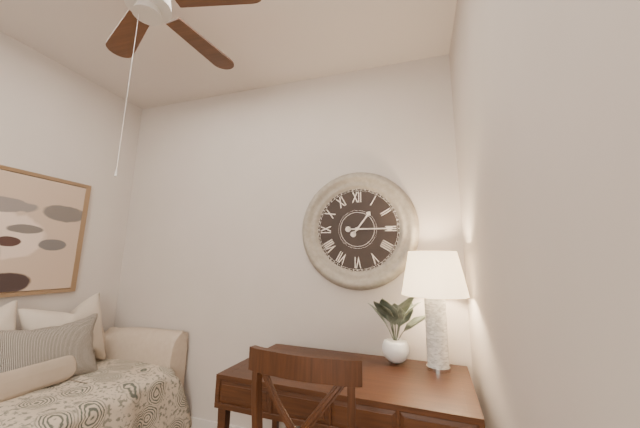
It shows 1 h 15 min
